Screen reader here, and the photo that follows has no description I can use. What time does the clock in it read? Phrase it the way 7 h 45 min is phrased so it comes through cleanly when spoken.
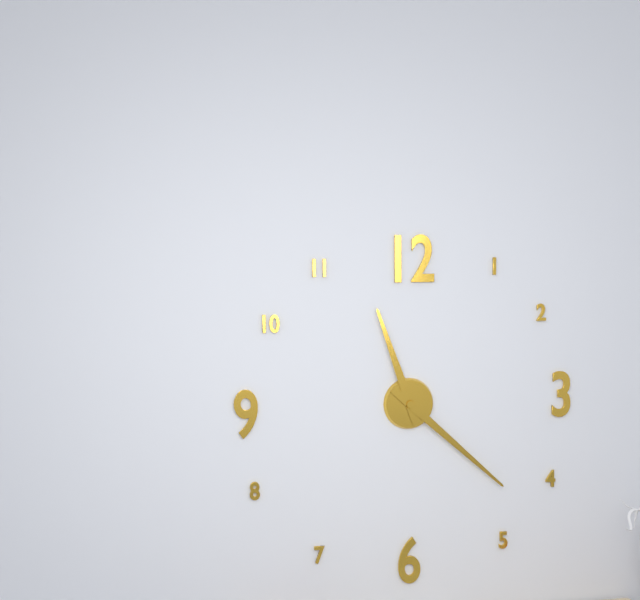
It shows 11 h 22 min
